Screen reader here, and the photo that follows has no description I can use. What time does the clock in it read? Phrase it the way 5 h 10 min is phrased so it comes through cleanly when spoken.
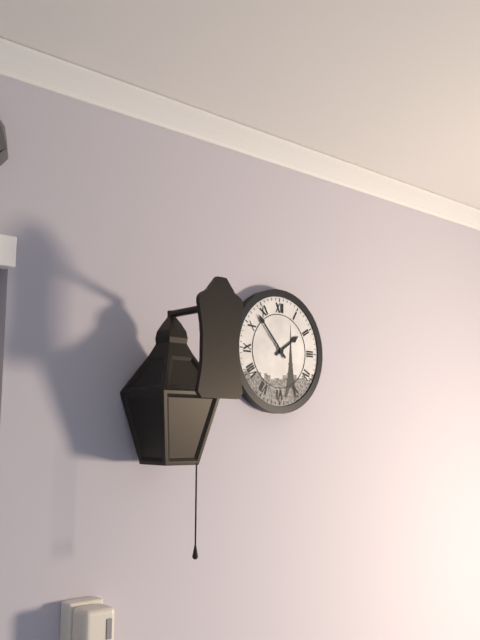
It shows 1 h 53 min
